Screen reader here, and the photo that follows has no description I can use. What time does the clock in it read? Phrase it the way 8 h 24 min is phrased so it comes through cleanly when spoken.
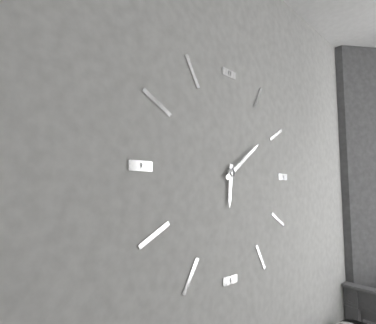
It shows 6 h 09 min
